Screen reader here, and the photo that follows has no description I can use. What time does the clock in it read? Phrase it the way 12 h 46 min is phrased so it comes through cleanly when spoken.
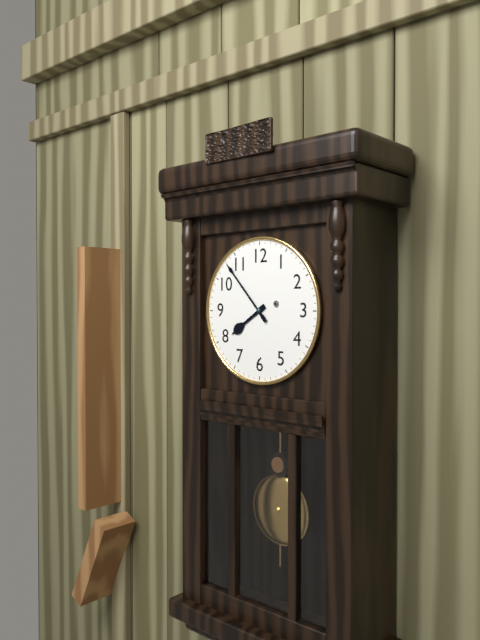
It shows 7 h 53 min
